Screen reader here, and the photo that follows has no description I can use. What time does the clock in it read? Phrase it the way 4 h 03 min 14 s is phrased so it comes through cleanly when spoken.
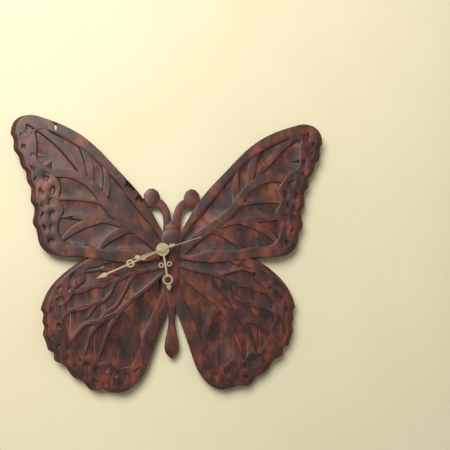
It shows 5 h 41 min 12 s
